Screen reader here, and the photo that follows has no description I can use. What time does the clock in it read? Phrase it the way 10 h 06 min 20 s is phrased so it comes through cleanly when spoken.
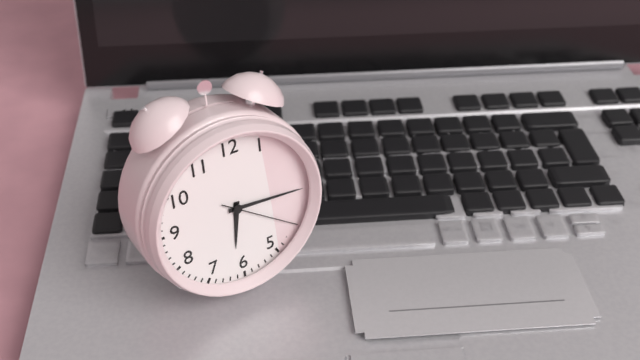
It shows 6 h 16 min 21 s
